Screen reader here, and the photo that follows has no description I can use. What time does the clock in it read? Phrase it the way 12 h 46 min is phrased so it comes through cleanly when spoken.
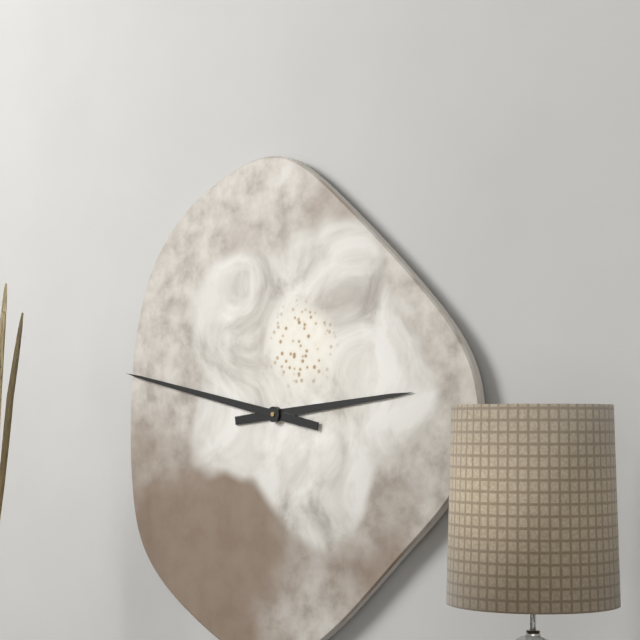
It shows 2 h 47 min
